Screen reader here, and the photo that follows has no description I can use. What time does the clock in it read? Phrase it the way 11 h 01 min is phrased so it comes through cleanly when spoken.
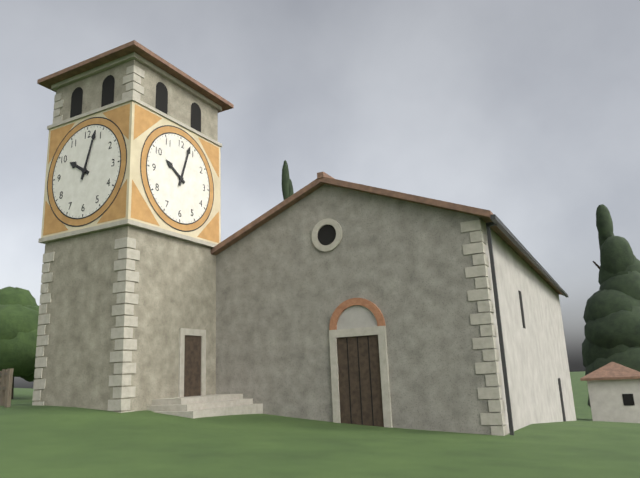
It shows 10 h 03 min
